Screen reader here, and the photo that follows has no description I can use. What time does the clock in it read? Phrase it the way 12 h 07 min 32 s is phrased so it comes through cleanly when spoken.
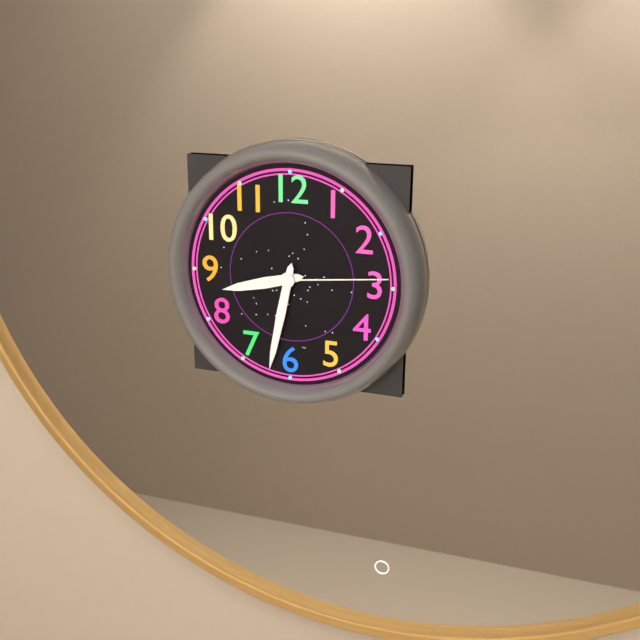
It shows 8 h 32 min 14 s
